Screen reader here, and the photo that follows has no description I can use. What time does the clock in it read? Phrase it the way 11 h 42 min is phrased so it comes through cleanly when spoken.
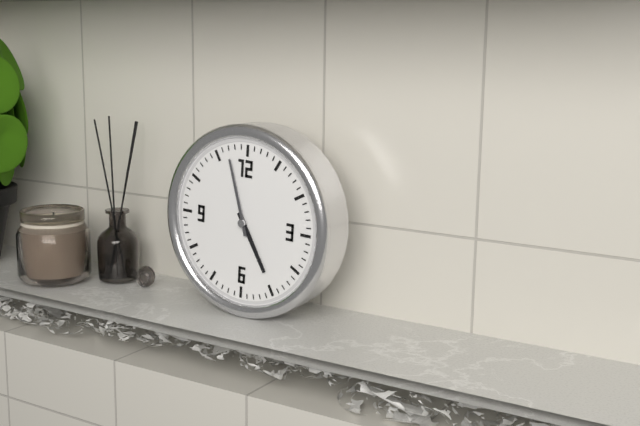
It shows 4 h 57 min
